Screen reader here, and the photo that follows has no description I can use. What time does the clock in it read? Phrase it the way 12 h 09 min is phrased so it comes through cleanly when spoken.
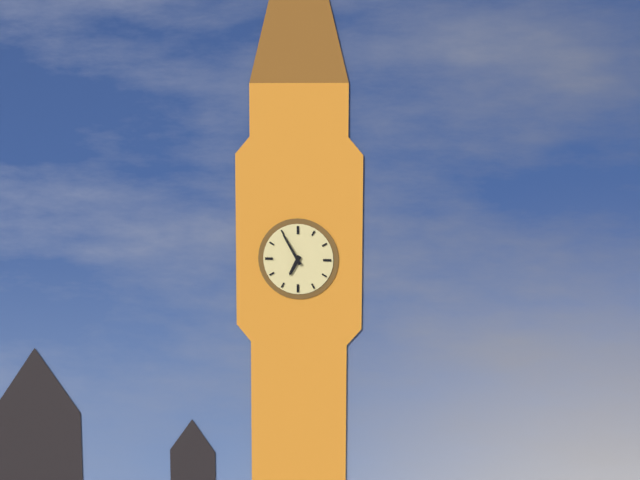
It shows 6 h 55 min
